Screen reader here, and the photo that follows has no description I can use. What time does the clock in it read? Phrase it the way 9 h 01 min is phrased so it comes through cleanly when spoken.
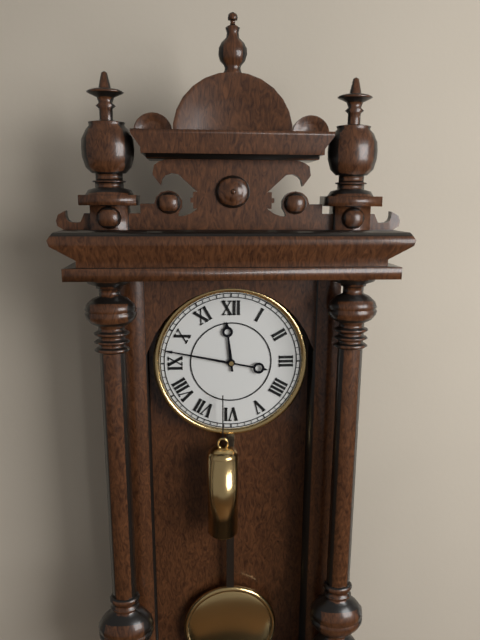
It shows 11 h 47 min
